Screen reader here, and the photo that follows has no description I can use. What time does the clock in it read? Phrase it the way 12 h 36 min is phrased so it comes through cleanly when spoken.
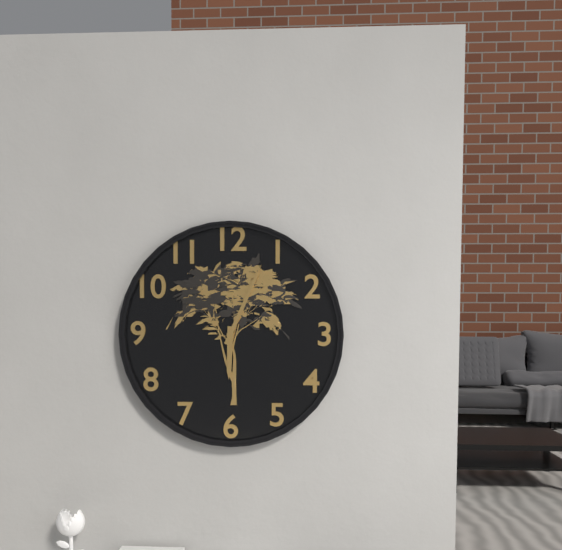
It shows 6 h 04 min
